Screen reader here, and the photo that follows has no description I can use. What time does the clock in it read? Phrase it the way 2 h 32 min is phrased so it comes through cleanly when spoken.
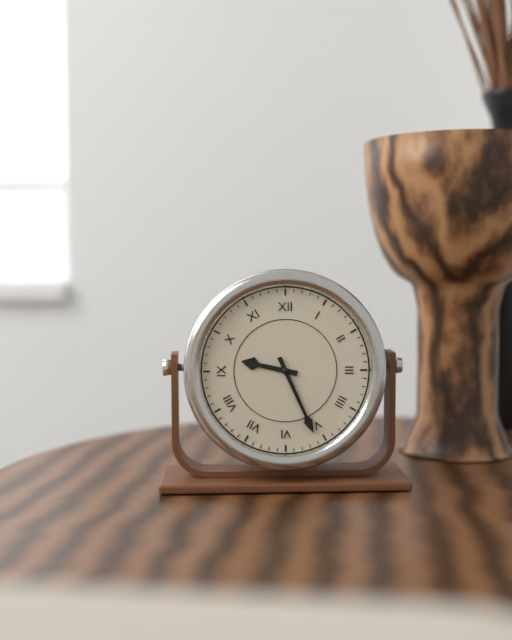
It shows 9 h 26 min
